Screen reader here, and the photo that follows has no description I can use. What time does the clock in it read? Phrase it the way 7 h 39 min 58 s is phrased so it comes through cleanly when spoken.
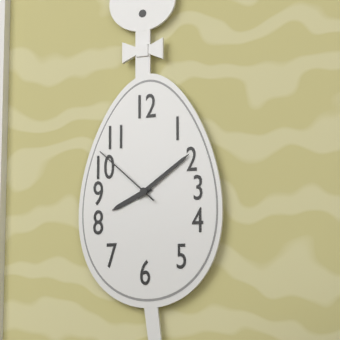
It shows 8 h 09 min 52 s
